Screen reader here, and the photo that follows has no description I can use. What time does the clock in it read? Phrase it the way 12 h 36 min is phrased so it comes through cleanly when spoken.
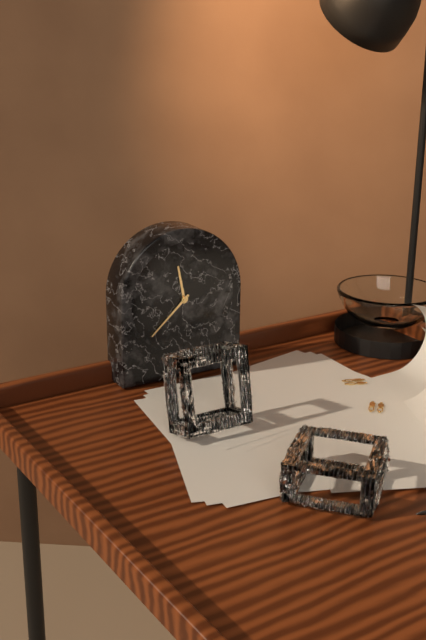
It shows 11 h 38 min
